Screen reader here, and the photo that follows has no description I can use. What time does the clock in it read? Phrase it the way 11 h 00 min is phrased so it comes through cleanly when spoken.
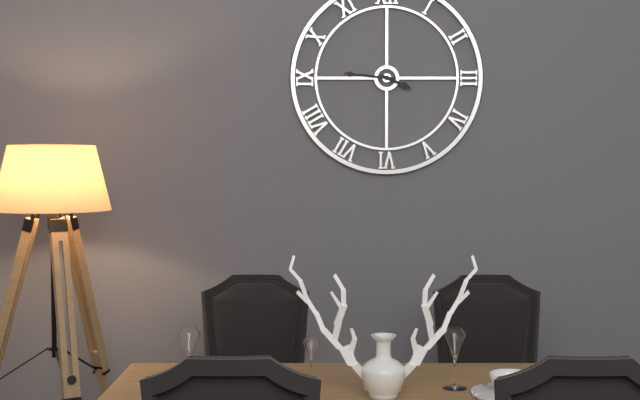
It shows 3 h 46 min
